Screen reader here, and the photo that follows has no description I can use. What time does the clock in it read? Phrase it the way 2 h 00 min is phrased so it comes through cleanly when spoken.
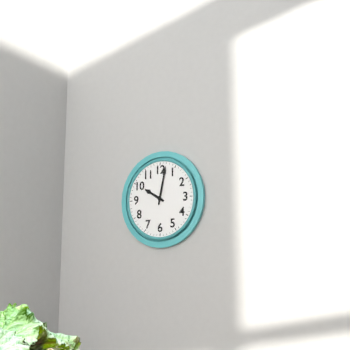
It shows 10 h 02 min
